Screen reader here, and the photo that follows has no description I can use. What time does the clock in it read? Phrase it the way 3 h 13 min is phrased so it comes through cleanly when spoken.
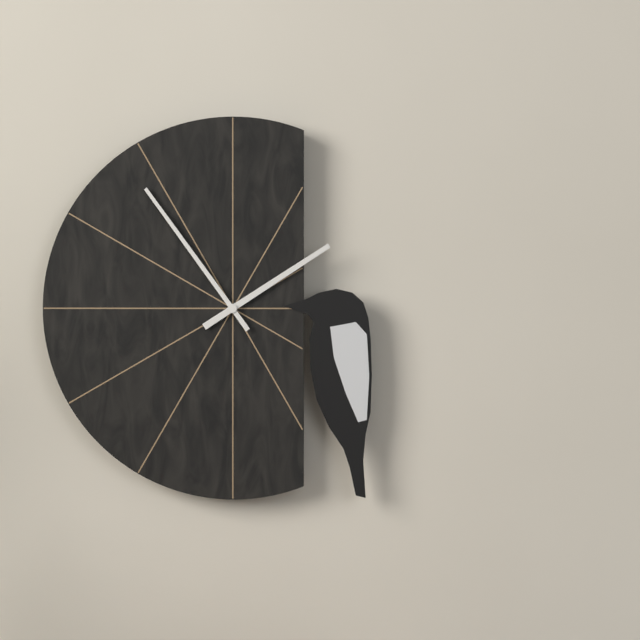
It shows 1 h 54 min
